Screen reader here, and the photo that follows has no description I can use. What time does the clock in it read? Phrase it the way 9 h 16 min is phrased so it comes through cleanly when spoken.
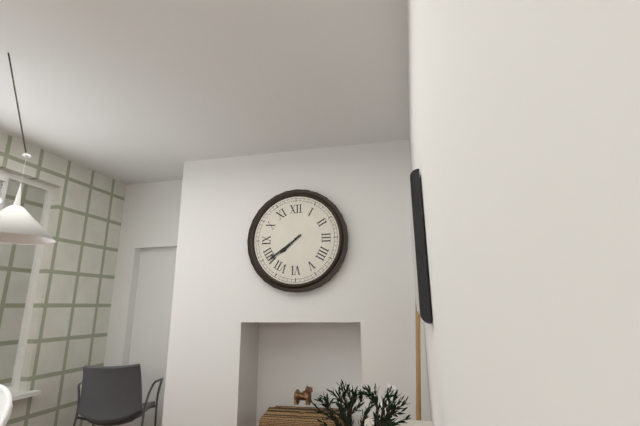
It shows 7 h 39 min
